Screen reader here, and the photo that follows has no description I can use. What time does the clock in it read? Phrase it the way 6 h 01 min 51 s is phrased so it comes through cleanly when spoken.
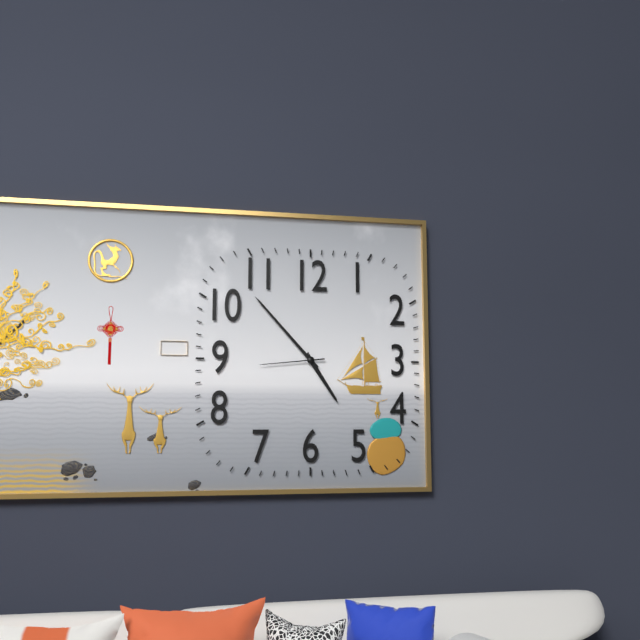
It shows 4 h 53 min 44 s
